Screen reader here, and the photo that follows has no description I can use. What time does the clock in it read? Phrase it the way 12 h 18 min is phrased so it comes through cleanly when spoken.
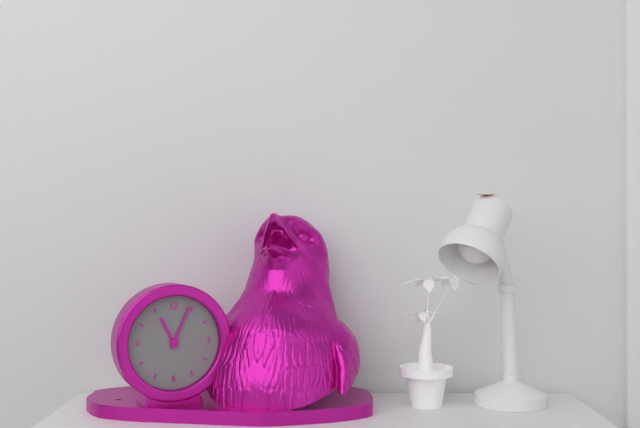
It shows 11 h 04 min
